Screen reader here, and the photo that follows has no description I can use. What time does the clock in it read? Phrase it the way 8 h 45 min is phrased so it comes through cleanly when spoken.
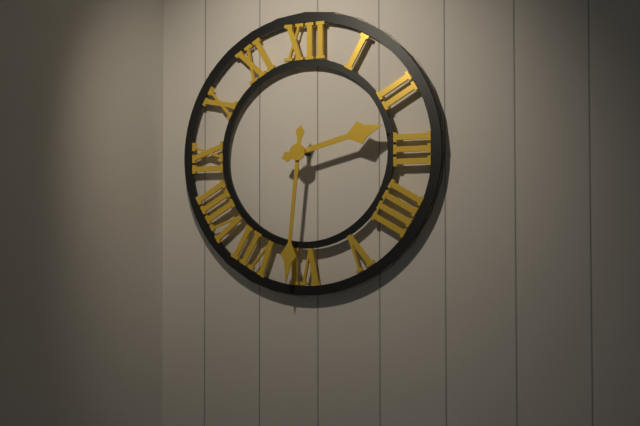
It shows 2 h 31 min
